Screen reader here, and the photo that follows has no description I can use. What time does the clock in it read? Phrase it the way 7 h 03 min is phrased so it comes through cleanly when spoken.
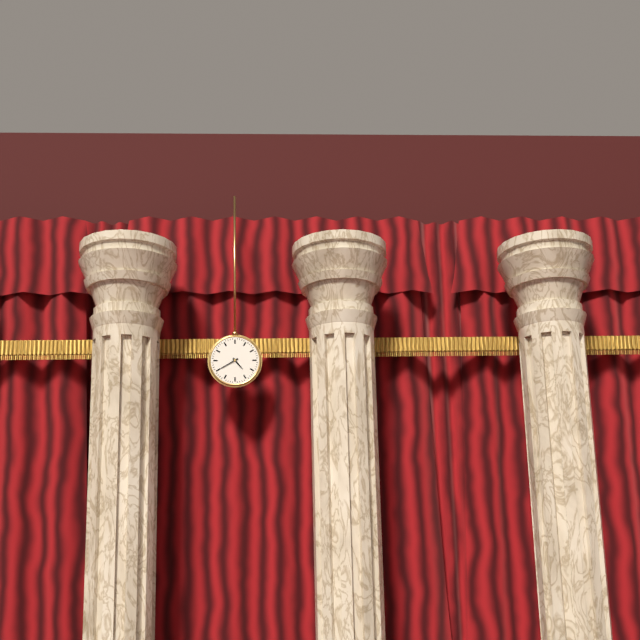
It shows 4 h 40 min
